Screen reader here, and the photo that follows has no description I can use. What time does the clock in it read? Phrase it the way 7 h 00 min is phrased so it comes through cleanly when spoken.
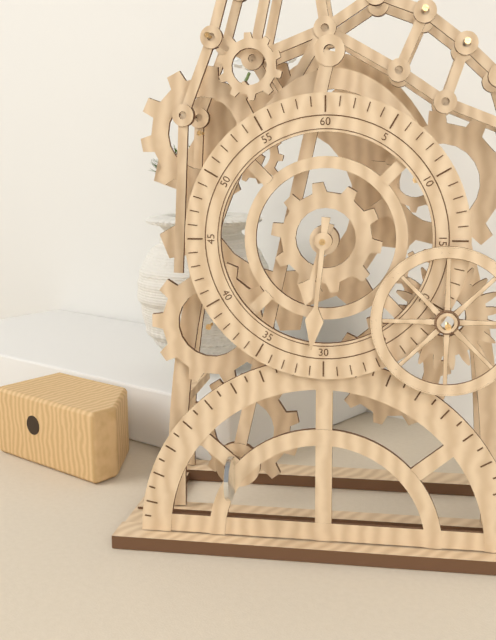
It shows 6 h 31 min
